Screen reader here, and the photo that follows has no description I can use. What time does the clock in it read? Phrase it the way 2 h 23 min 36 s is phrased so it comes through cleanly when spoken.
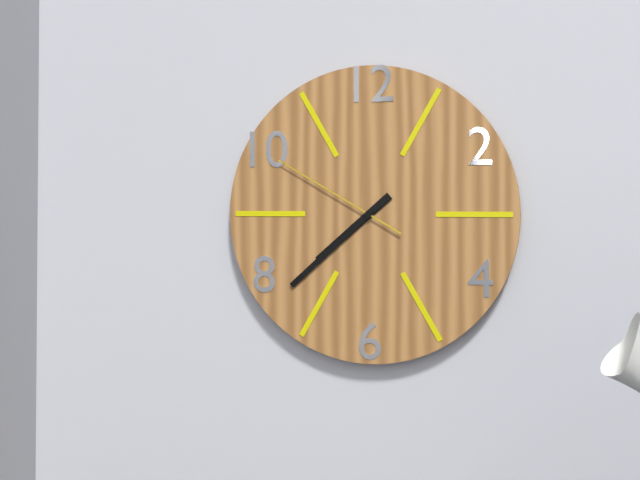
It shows 7 h 38 min 50 s
